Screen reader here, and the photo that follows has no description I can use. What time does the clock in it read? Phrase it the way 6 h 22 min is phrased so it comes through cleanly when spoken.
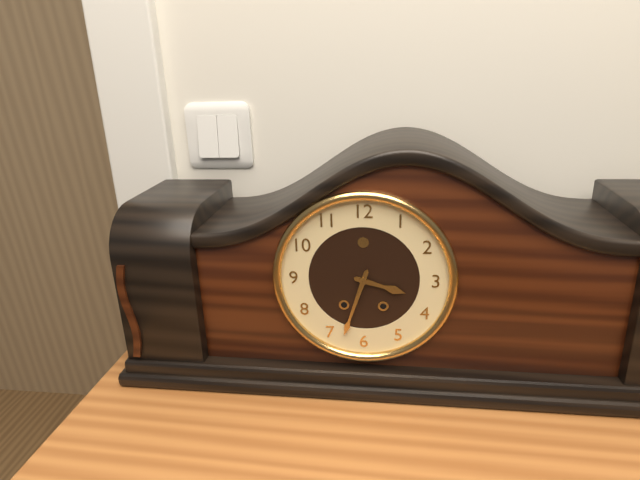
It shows 3 h 33 min
